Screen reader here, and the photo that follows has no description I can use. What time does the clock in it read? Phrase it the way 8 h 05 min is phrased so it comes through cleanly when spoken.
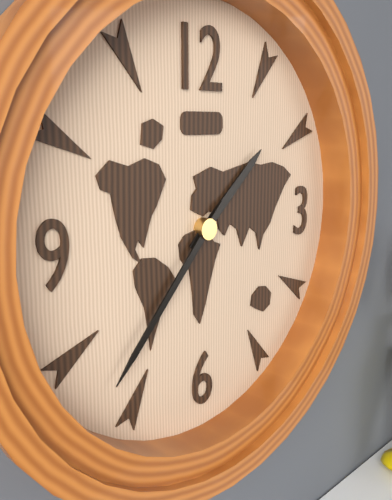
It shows 1 h 37 min
